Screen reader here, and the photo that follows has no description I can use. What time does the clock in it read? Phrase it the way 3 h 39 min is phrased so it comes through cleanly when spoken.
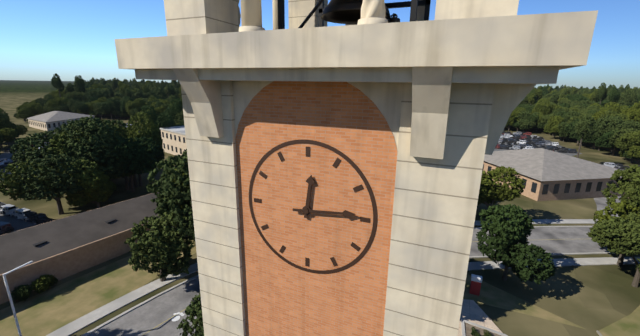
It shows 12 h 14 min
